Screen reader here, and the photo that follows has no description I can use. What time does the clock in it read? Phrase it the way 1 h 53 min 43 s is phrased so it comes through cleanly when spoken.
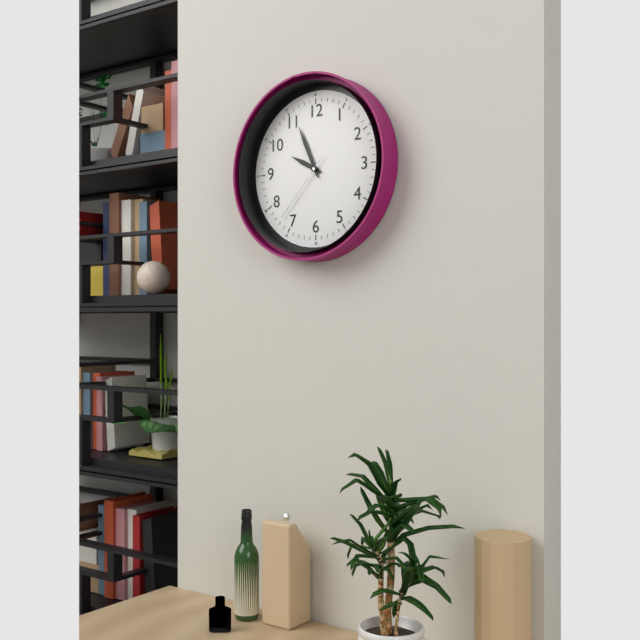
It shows 9 h 56 min 37 s
